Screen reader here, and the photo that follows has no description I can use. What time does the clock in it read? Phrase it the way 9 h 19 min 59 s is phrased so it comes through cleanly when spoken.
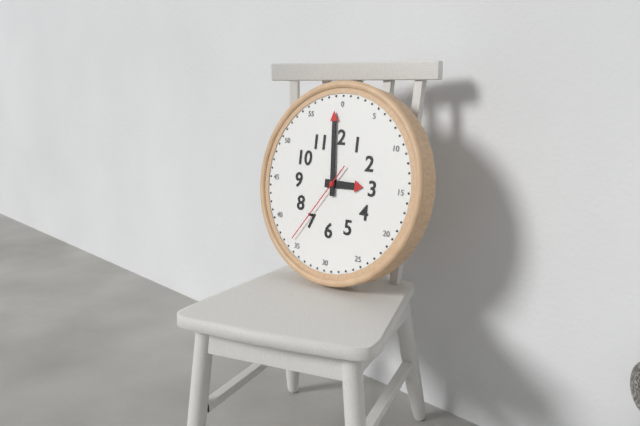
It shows 2 h 59 min 36 s
